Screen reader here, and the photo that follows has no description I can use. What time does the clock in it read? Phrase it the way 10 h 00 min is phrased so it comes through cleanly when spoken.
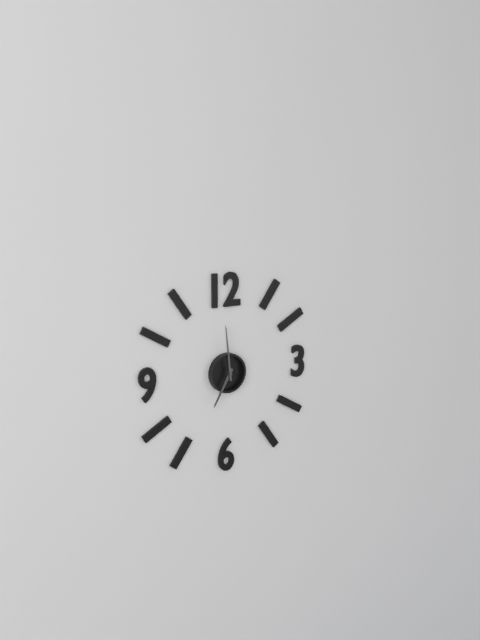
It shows 6 h 59 min
